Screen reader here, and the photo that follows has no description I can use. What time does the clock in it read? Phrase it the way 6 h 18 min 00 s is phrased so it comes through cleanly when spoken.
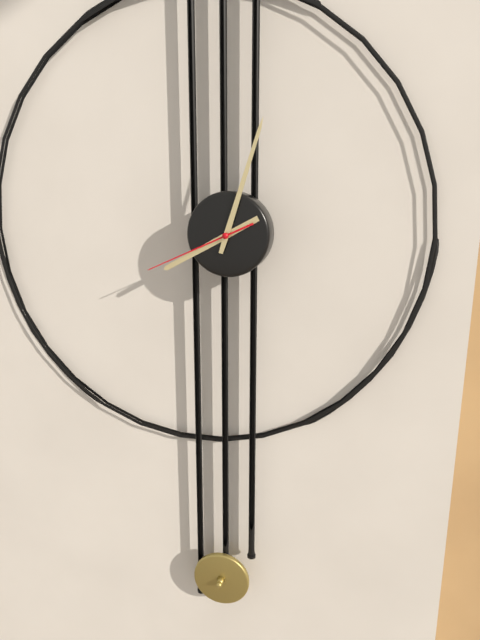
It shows 8 h 03 min 41 s
